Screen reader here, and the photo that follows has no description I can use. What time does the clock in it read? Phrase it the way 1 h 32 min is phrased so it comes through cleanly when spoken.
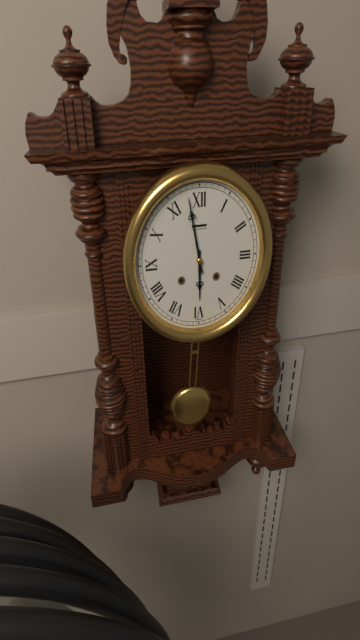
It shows 5 h 58 min
